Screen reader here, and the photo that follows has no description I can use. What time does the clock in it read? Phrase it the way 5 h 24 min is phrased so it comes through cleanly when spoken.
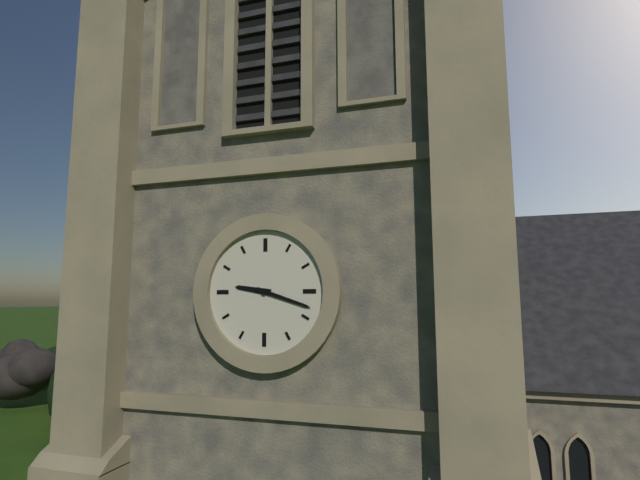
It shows 9 h 18 min
